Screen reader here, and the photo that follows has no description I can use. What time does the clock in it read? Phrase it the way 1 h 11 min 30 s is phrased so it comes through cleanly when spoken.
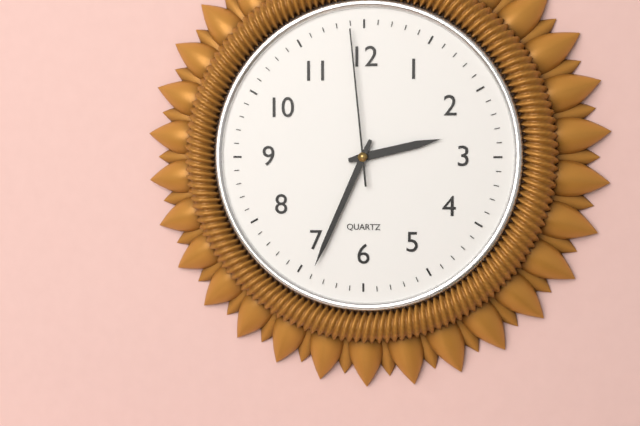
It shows 2 h 34 min 59 s
